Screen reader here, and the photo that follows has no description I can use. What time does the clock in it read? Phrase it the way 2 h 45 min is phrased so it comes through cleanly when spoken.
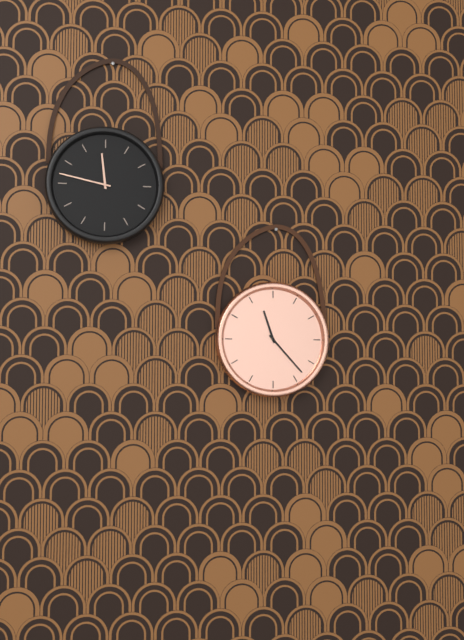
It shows 11 h 23 min
